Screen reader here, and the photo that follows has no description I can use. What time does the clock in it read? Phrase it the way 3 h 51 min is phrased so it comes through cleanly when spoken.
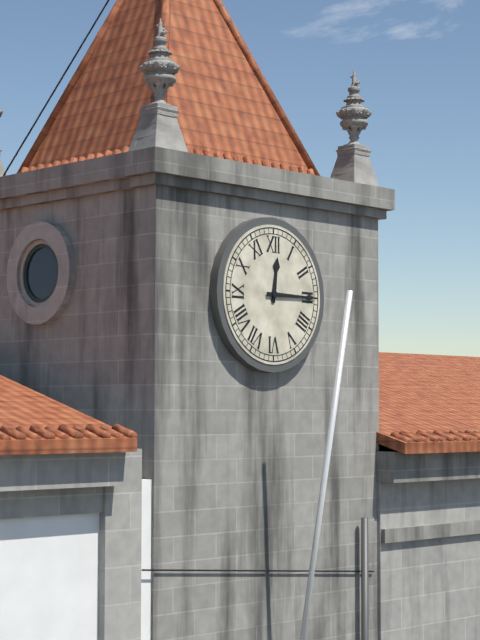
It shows 12 h 15 min
